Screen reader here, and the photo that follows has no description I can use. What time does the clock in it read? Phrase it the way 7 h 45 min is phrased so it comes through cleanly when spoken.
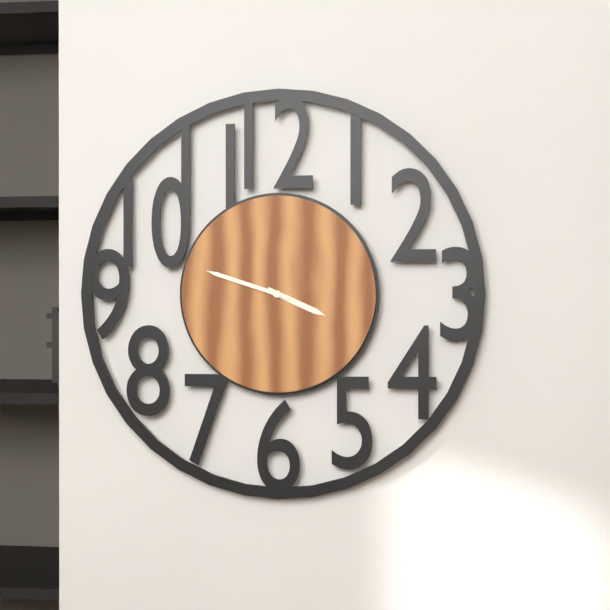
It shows 3 h 48 min
